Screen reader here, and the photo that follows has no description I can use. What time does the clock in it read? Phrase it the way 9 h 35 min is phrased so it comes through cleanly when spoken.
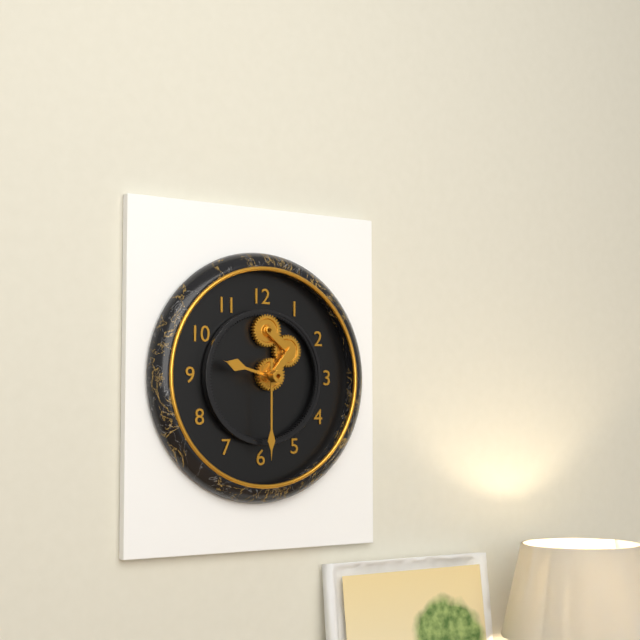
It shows 9 h 30 min
